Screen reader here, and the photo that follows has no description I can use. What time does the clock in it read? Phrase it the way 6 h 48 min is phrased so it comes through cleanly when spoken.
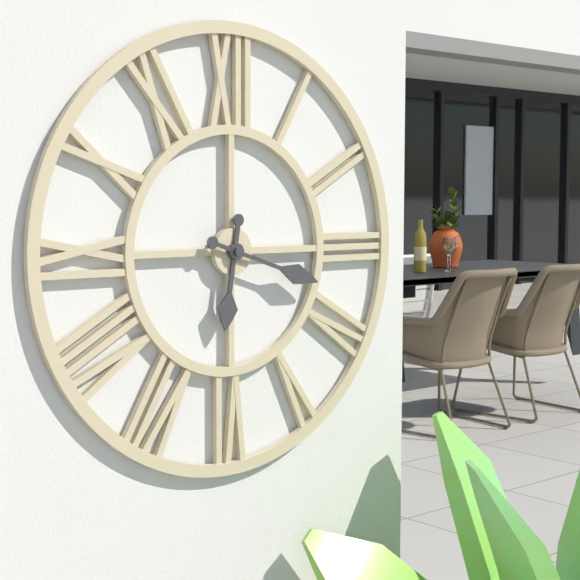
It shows 6 h 18 min
